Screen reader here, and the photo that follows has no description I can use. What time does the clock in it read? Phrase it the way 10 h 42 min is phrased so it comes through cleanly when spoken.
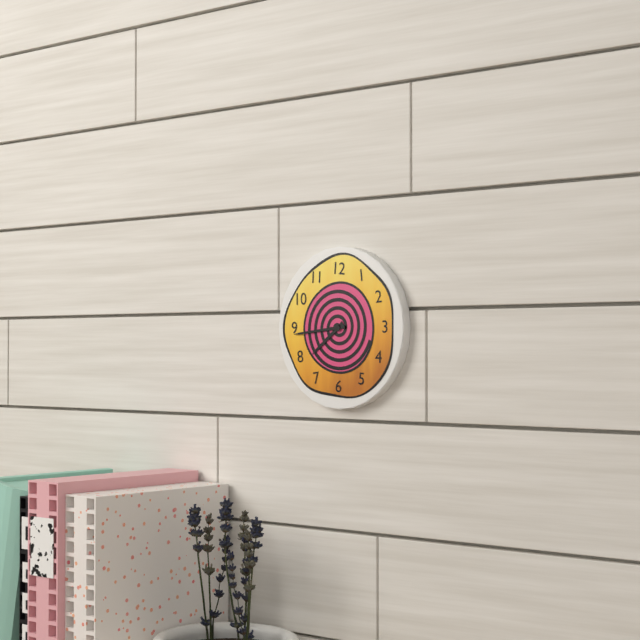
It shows 7 h 44 min
